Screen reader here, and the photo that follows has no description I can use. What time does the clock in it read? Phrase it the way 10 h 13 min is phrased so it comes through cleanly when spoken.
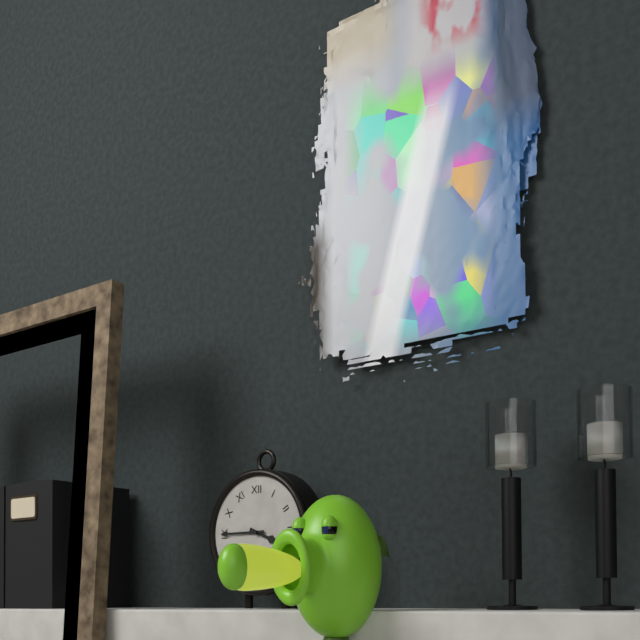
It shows 3 h 45 min
